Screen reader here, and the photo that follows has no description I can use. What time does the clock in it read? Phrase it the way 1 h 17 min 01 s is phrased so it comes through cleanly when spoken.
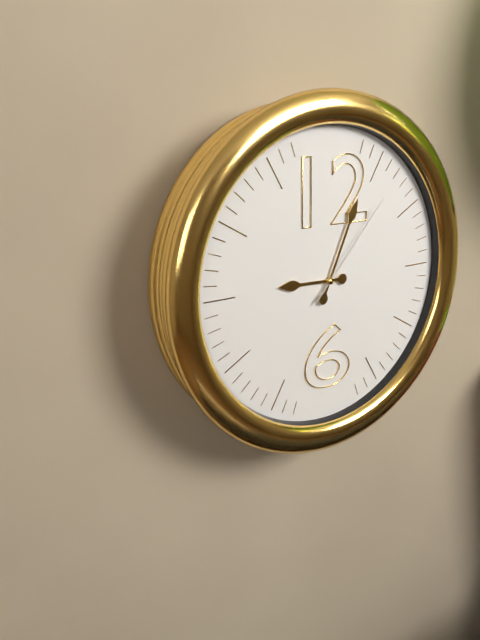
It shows 9 h 04 min 07 s
